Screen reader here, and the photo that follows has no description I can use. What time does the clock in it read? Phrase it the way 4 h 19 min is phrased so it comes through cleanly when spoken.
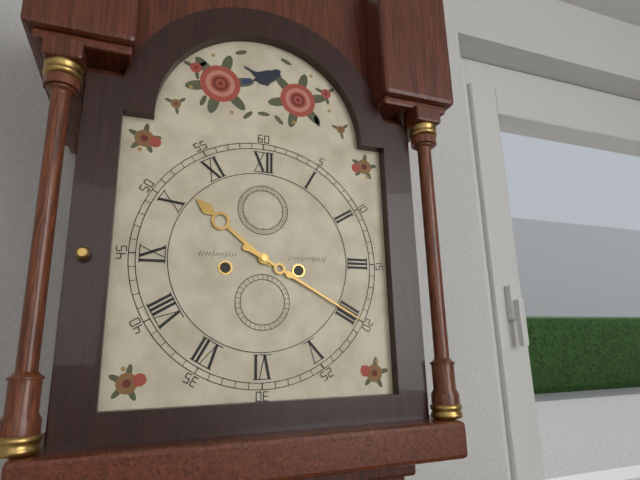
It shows 10 h 20 min
